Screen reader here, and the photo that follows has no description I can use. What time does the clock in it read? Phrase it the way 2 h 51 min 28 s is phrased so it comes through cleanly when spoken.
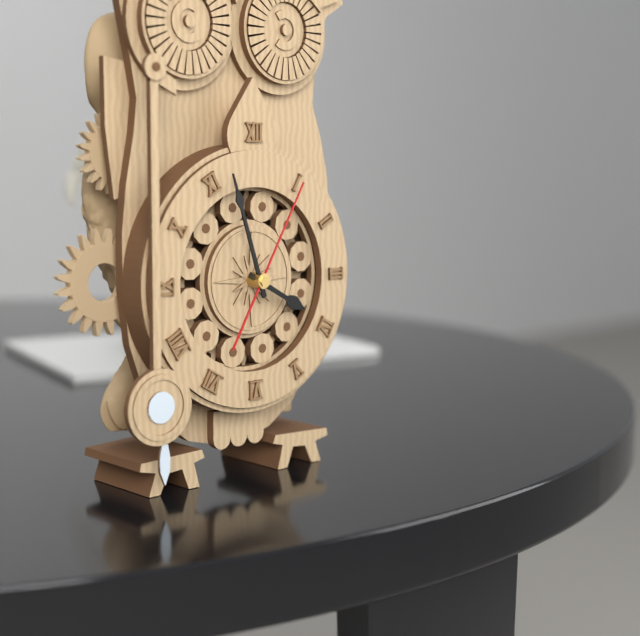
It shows 3 h 57 min 05 s
